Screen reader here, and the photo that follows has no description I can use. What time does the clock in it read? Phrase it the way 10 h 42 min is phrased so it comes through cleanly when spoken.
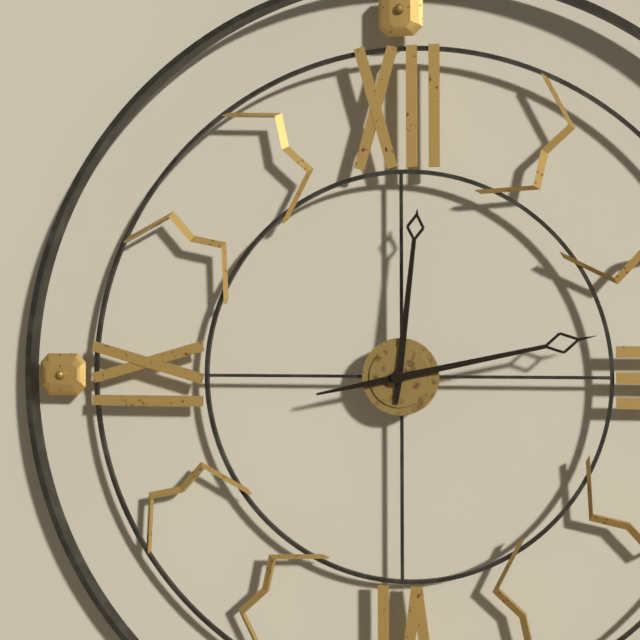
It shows 12 h 13 min
